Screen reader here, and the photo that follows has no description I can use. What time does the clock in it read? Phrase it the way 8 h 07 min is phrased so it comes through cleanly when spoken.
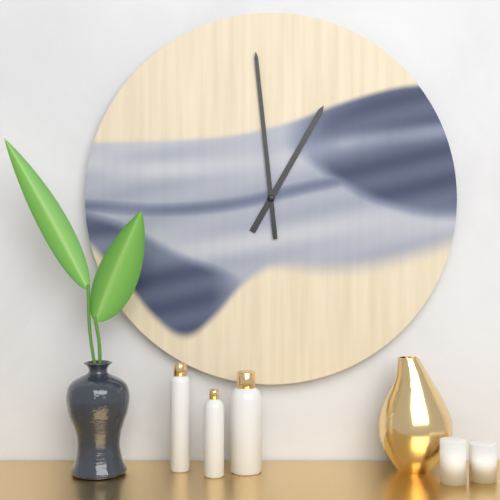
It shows 12 h 59 min
